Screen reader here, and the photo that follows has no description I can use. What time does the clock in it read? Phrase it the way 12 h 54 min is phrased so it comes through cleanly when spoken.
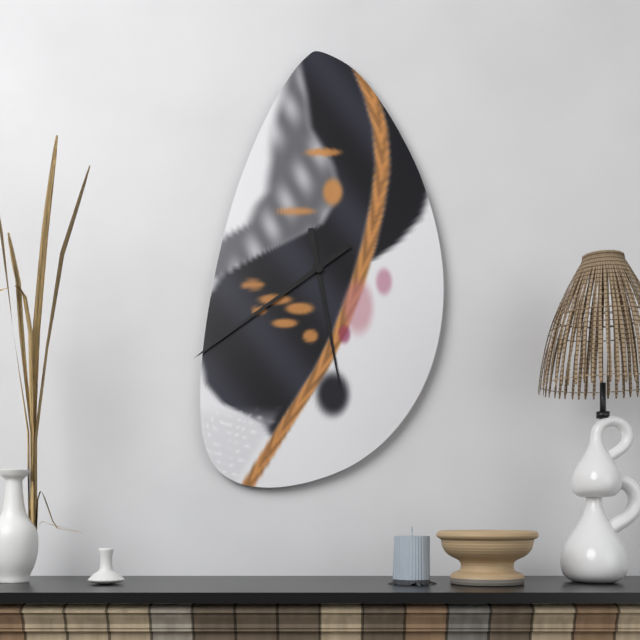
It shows 5 h 39 min
